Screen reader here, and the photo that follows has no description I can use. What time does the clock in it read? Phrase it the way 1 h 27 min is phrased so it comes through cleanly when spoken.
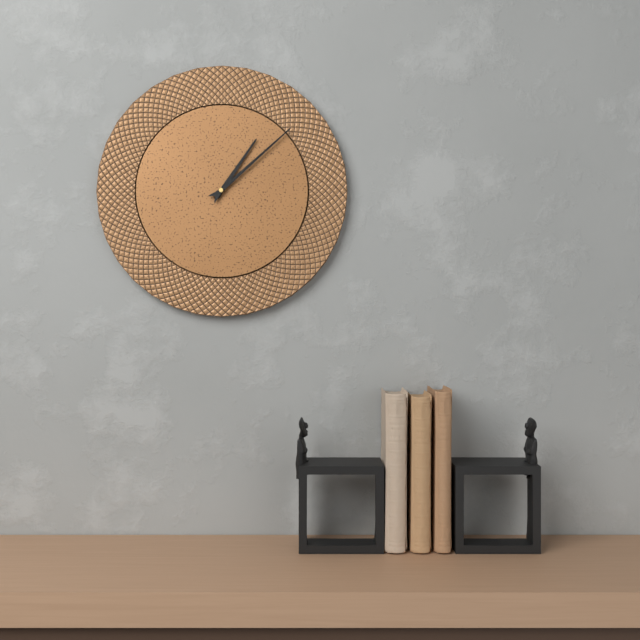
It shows 1 h 08 min
